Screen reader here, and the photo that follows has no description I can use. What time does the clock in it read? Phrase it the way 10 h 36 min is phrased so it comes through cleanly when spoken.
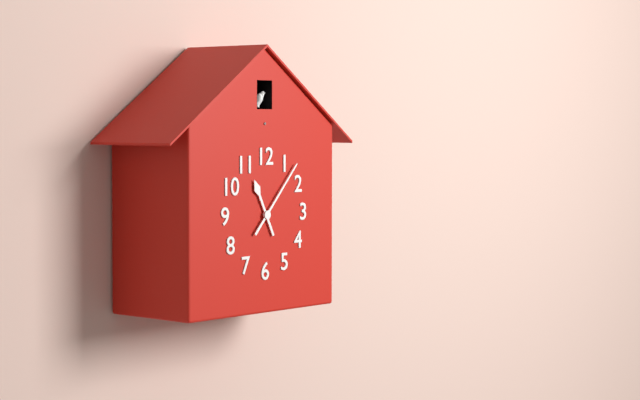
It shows 11 h 07 min
